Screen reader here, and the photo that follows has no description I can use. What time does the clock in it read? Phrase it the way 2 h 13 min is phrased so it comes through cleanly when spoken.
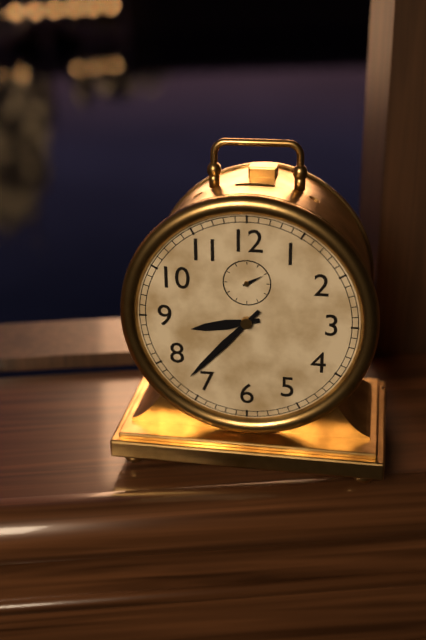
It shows 8 h 37 min
